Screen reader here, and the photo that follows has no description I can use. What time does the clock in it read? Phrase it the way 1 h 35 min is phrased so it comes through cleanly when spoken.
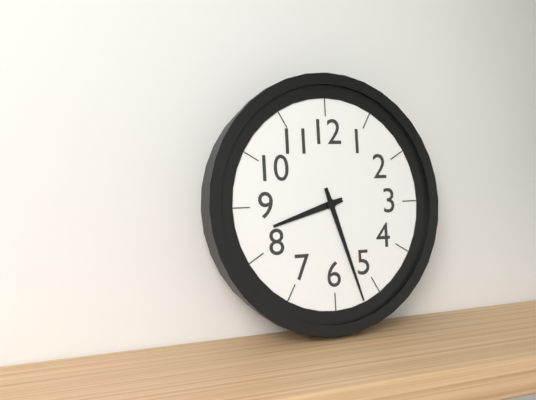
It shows 8 h 27 min
